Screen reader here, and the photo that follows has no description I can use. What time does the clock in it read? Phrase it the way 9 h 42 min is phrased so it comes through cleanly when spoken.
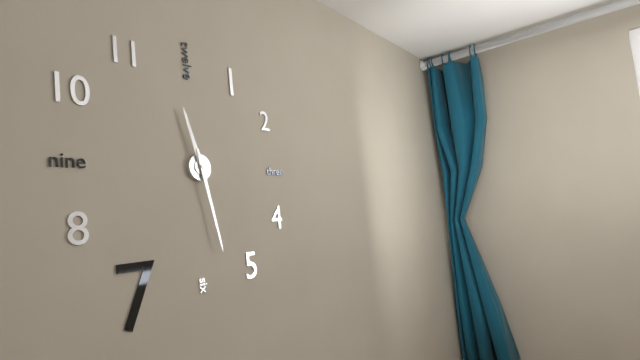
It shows 11 h 28 min
